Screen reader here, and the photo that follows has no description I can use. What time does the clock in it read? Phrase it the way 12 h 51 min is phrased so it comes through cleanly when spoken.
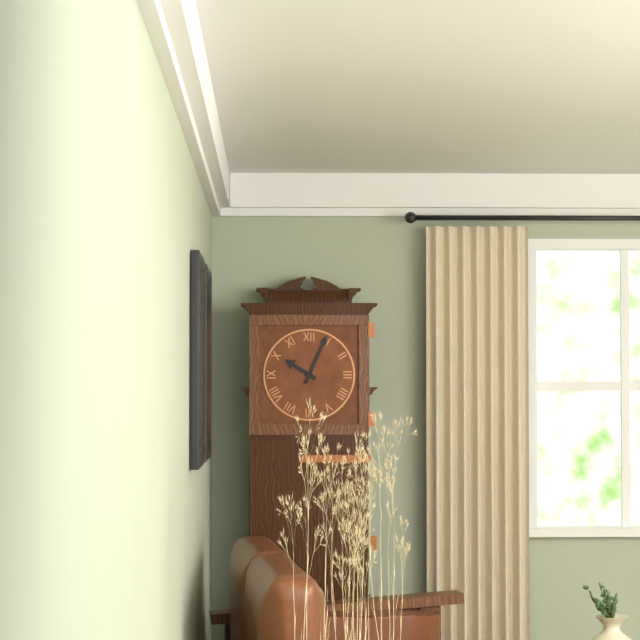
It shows 10 h 04 min
